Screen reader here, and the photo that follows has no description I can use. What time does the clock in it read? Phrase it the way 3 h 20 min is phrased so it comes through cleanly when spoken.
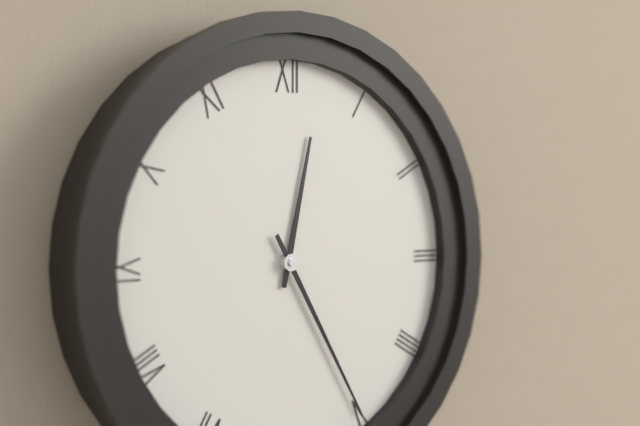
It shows 12 h 25 min
